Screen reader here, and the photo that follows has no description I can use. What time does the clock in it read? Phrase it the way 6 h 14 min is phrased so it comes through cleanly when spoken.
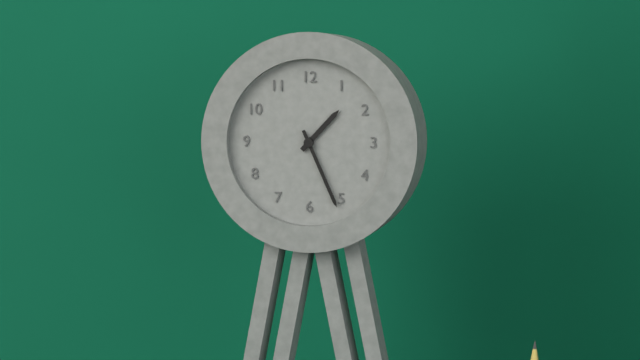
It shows 1 h 26 min
